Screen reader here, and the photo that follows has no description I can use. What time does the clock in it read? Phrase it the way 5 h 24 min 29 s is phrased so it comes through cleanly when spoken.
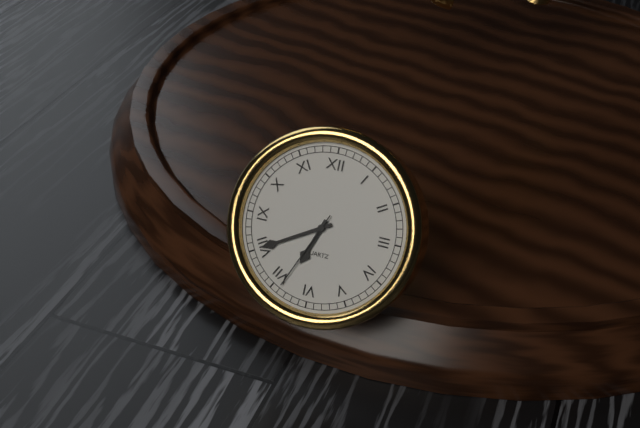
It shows 6 h 40 min 34 s
